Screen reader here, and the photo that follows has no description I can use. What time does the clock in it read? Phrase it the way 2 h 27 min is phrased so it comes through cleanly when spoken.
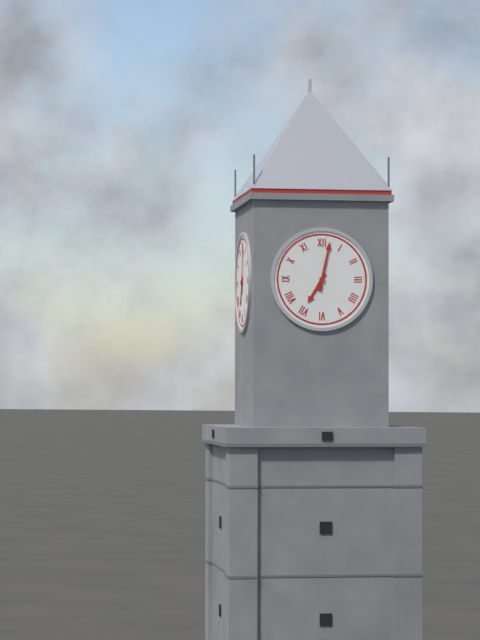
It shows 7 h 02 min
